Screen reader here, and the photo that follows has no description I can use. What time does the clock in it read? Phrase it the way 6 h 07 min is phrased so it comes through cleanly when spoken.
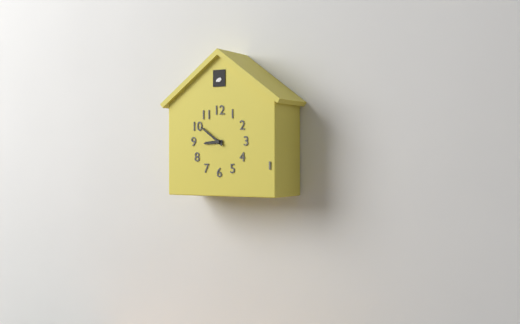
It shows 8 h 51 min
